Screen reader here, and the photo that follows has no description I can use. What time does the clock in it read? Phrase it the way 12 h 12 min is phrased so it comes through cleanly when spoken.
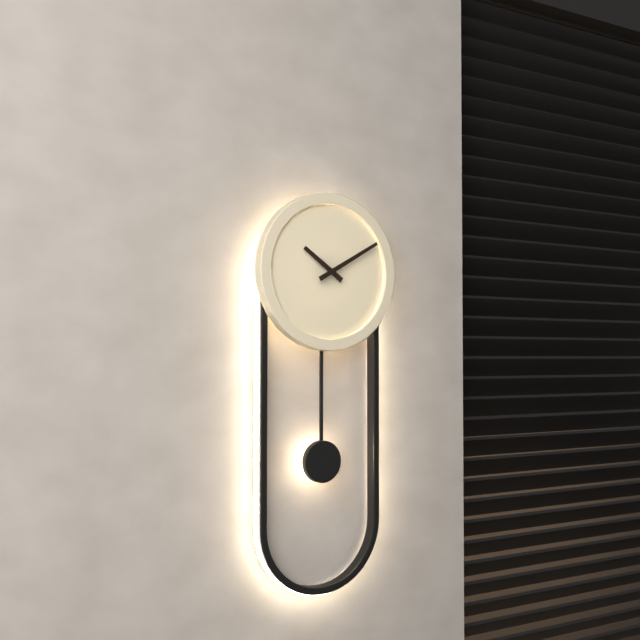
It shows 10 h 10 min
